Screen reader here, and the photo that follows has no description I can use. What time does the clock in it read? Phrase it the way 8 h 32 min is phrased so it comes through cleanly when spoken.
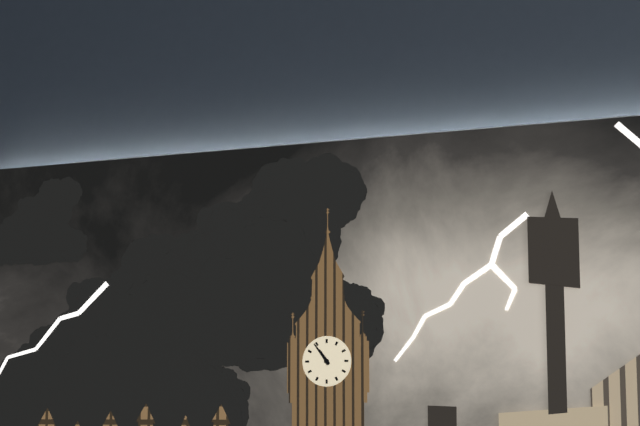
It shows 10 h 54 min
